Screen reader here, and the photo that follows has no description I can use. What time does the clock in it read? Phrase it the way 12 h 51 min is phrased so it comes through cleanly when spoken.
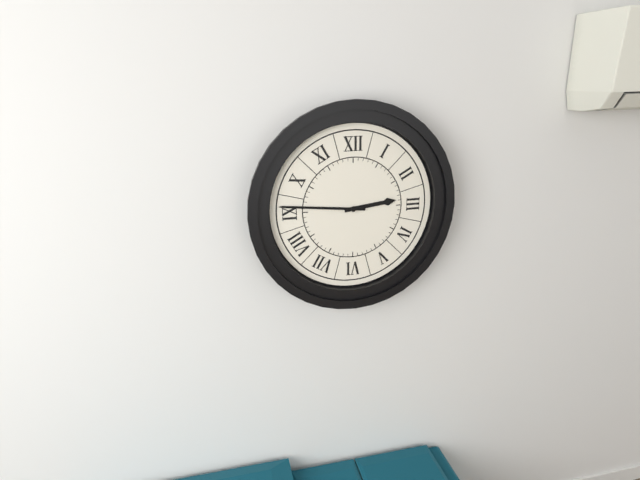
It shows 2 h 46 min
